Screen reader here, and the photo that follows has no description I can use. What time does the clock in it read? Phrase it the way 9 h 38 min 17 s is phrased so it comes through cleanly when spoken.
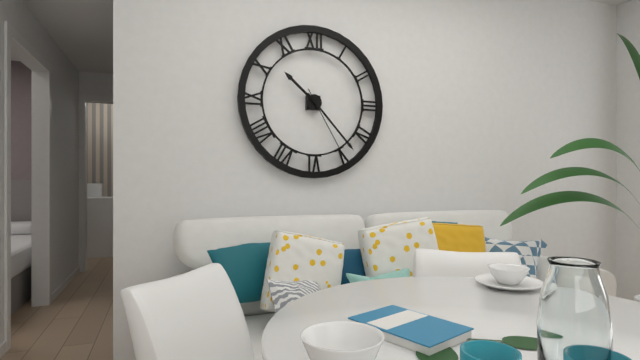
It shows 10 h 23 min 25 s
